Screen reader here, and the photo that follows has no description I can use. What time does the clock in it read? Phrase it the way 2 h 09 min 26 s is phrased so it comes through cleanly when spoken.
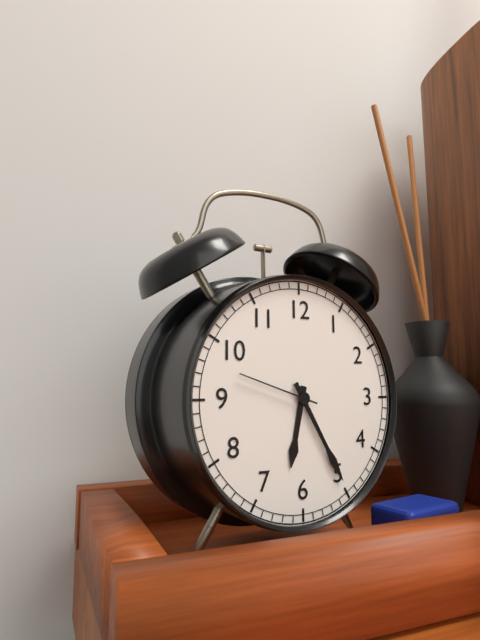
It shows 6 h 25 min 48 s
